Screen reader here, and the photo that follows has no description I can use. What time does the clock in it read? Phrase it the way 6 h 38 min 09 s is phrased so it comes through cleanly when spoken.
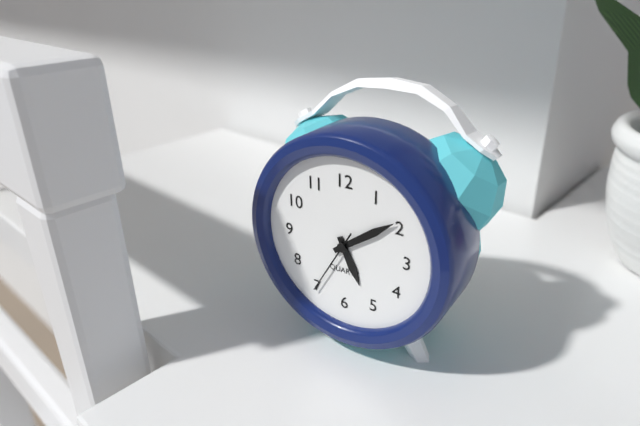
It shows 5 h 09 min 35 s
